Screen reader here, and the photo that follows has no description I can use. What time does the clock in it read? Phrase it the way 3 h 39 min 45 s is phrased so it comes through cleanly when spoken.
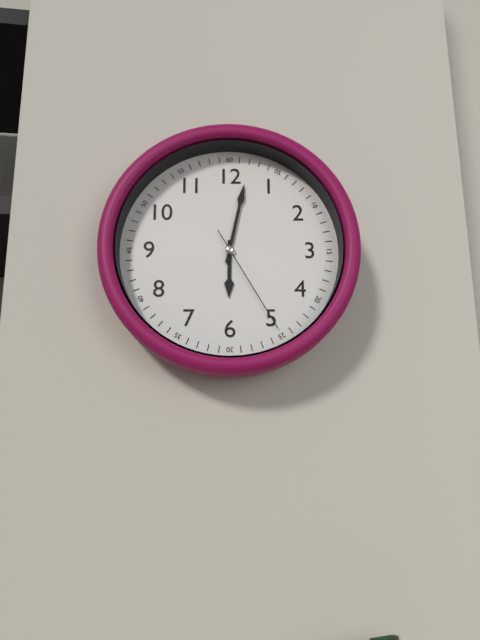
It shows 6 h 02 min 25 s
